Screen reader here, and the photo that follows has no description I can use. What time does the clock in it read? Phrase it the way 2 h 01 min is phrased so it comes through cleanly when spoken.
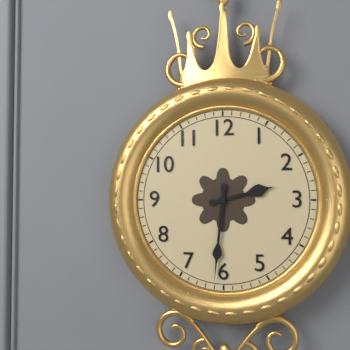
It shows 2 h 31 min
